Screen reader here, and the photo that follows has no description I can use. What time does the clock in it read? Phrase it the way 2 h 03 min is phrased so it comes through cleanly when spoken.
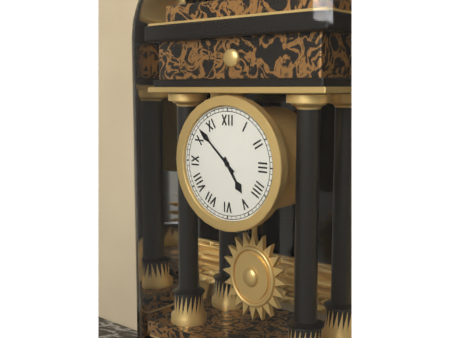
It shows 4 h 52 min
